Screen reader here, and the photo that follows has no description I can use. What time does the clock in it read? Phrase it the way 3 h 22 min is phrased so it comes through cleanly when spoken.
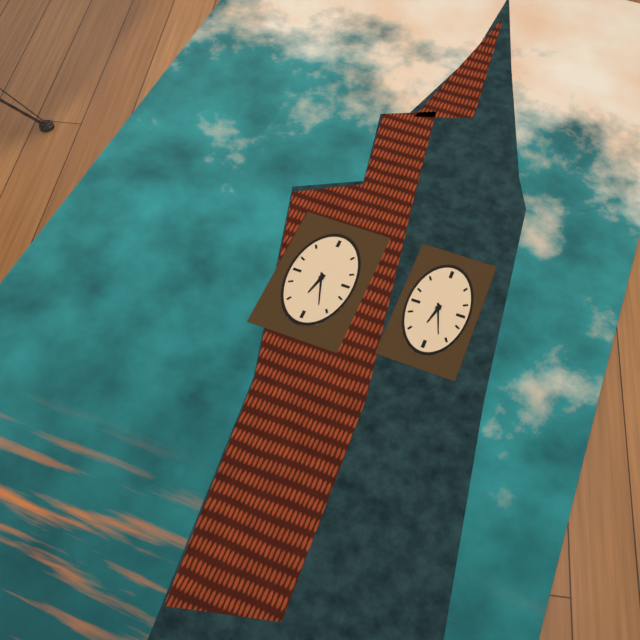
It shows 6 h 27 min
